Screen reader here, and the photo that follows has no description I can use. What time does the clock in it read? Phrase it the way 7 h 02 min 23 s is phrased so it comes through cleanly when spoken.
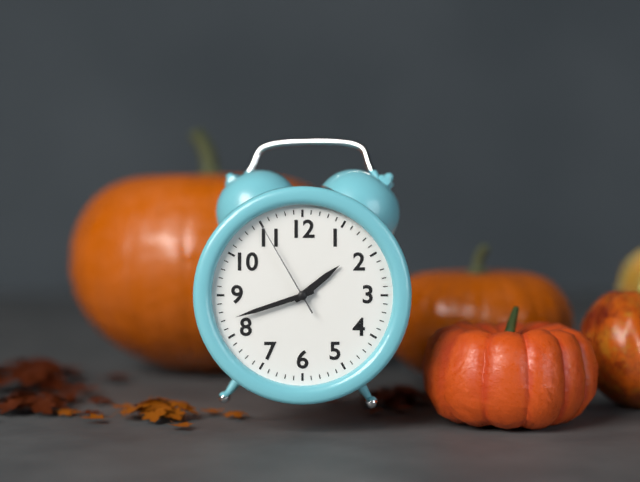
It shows 1 h 42 min 55 s
